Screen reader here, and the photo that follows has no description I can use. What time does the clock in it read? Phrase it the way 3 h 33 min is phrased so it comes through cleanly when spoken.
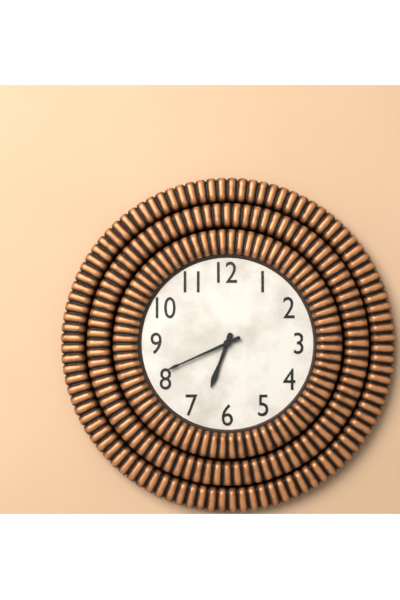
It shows 6 h 41 min
